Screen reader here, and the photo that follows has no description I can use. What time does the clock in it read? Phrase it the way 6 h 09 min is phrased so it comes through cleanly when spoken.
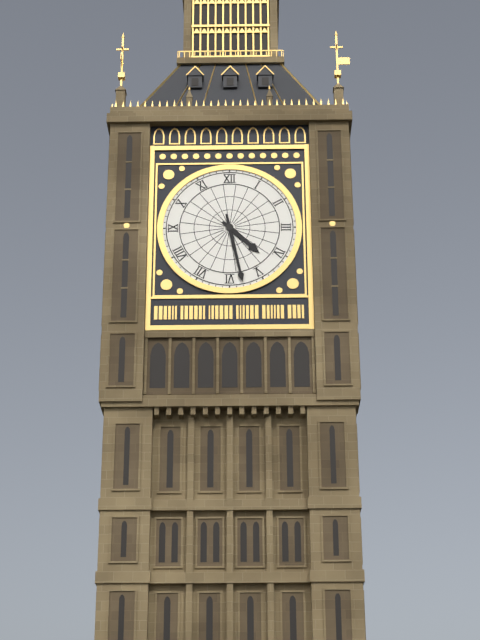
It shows 4 h 28 min
